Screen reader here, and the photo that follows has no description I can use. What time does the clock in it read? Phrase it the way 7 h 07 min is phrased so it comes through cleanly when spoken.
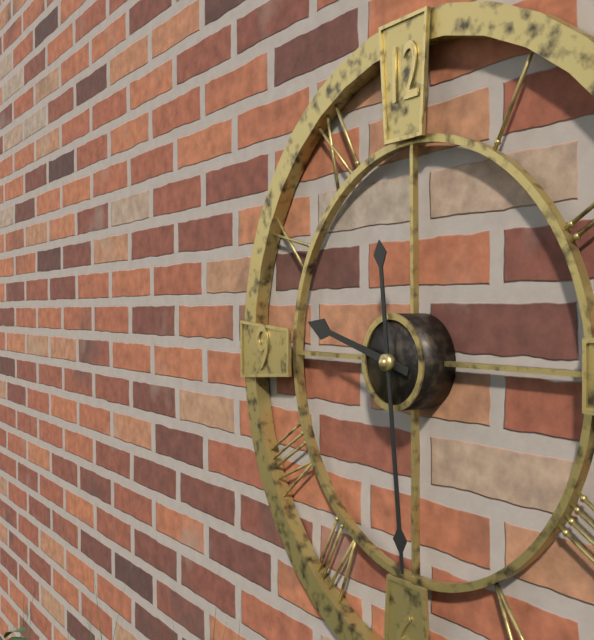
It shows 9 h 29 min
